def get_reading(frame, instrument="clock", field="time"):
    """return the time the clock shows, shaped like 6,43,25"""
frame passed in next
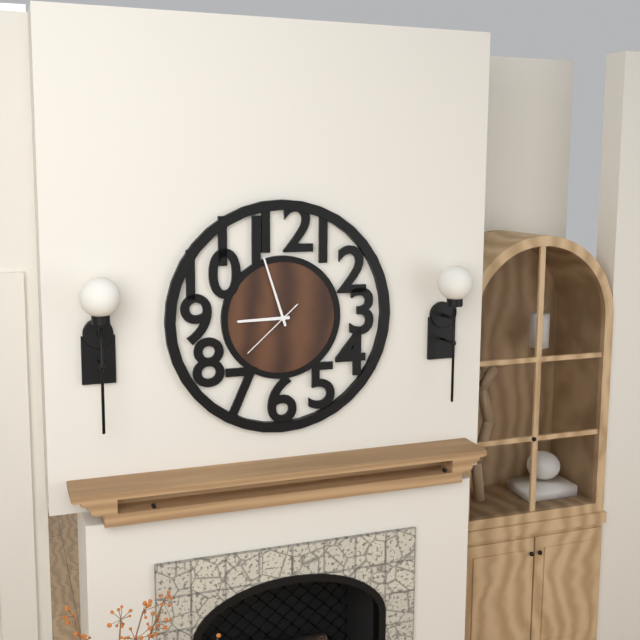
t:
8,57,38
